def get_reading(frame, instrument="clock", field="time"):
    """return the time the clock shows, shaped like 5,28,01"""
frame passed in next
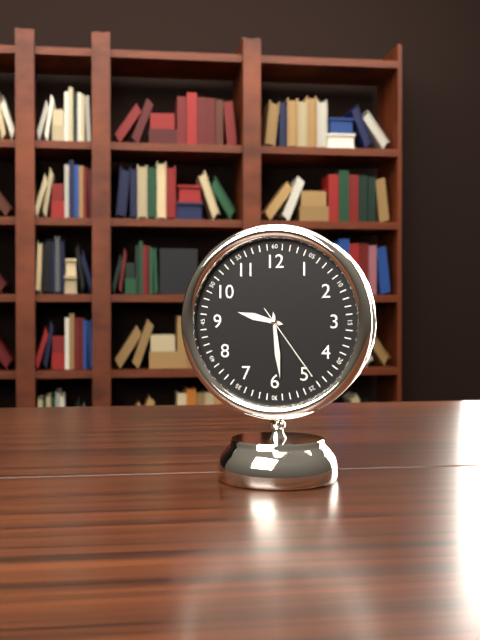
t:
9,29,24
